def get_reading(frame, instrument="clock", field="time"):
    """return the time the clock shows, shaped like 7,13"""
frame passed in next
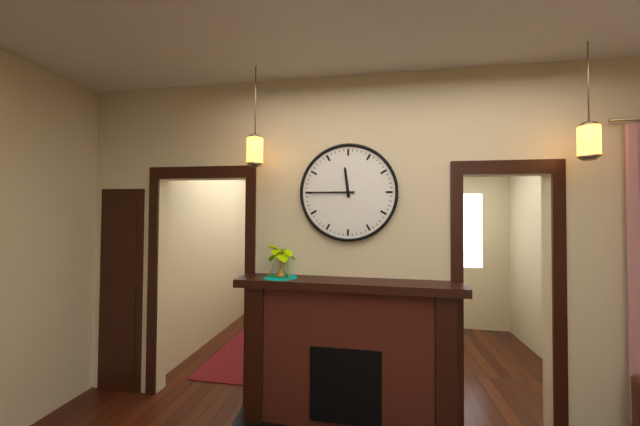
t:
11,45
